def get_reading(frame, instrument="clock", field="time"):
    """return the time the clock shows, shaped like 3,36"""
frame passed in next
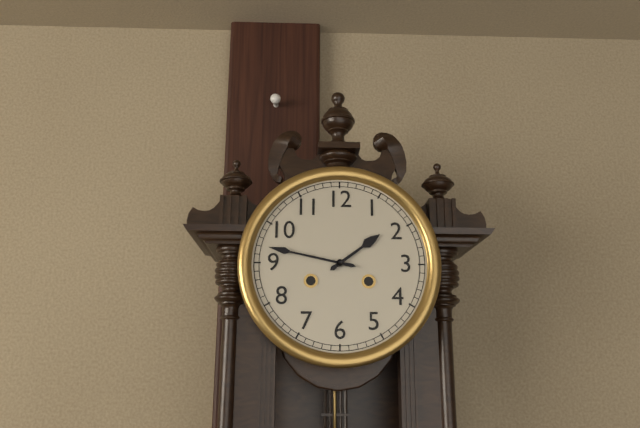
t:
1,47
